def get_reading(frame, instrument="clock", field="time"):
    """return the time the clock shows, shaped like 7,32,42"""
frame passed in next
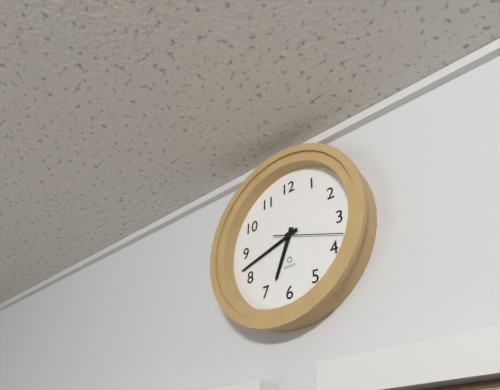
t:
6,42,18
